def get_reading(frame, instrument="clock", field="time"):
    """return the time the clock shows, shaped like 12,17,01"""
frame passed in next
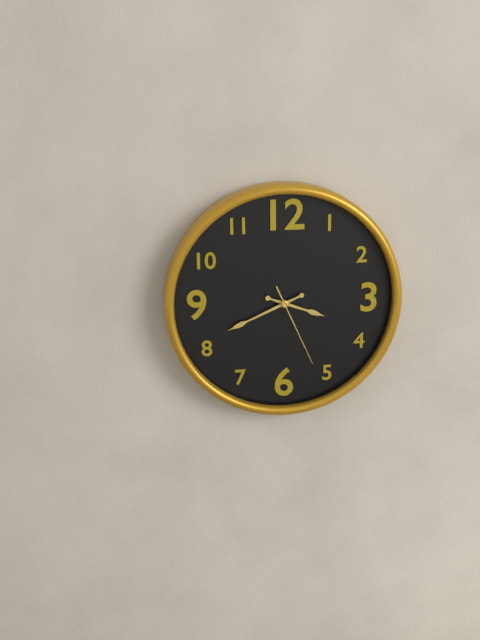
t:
3,41,26
